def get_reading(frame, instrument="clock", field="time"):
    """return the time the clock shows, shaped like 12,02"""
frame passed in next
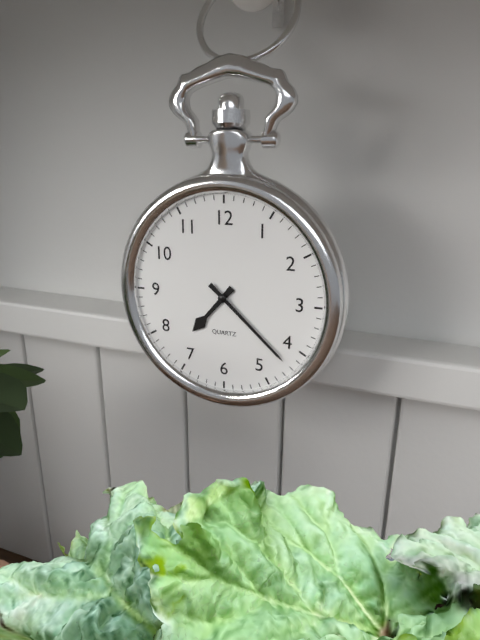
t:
7,22
